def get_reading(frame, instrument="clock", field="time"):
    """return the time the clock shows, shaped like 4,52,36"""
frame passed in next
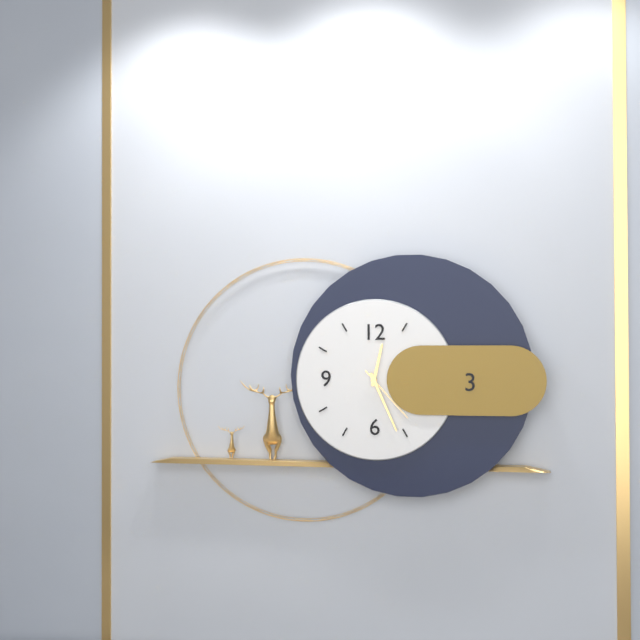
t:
12,26,23
